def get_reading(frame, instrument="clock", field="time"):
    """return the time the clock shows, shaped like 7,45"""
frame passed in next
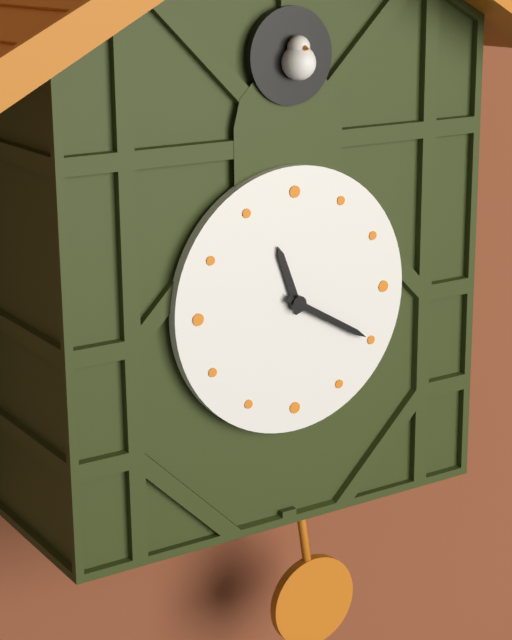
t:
11,20
